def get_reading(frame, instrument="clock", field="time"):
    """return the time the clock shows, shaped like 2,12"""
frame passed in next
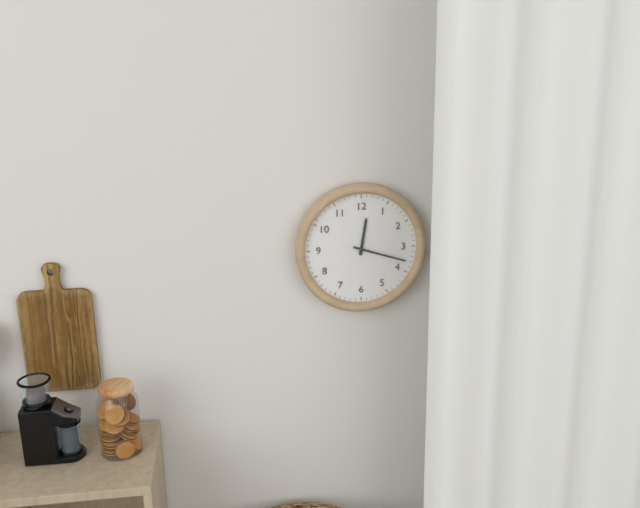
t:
12,18
